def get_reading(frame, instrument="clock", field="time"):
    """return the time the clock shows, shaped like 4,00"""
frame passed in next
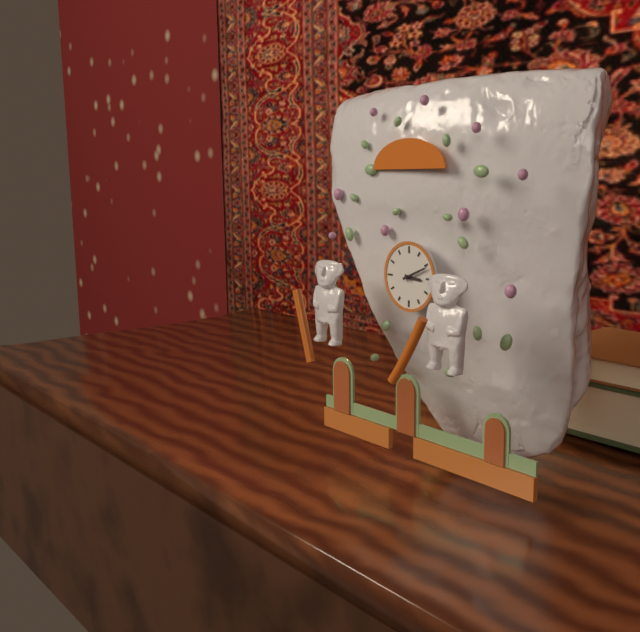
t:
3,11
